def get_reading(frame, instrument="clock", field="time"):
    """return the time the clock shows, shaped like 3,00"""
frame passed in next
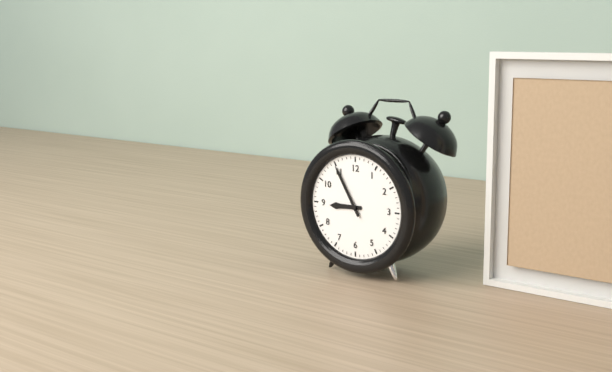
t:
8,55
